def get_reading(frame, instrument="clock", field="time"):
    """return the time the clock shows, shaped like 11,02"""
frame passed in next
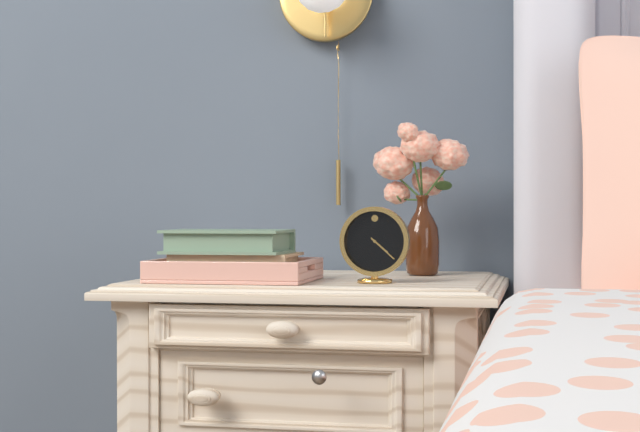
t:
4,22
